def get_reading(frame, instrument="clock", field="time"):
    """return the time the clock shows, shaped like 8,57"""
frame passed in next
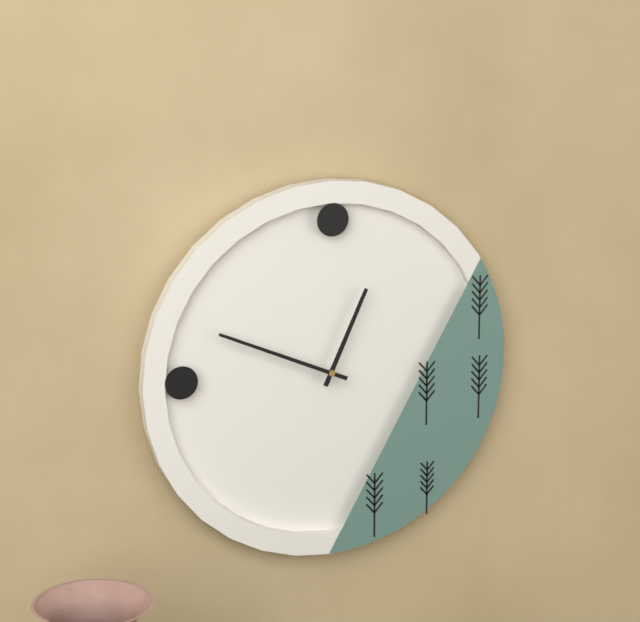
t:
12,49
